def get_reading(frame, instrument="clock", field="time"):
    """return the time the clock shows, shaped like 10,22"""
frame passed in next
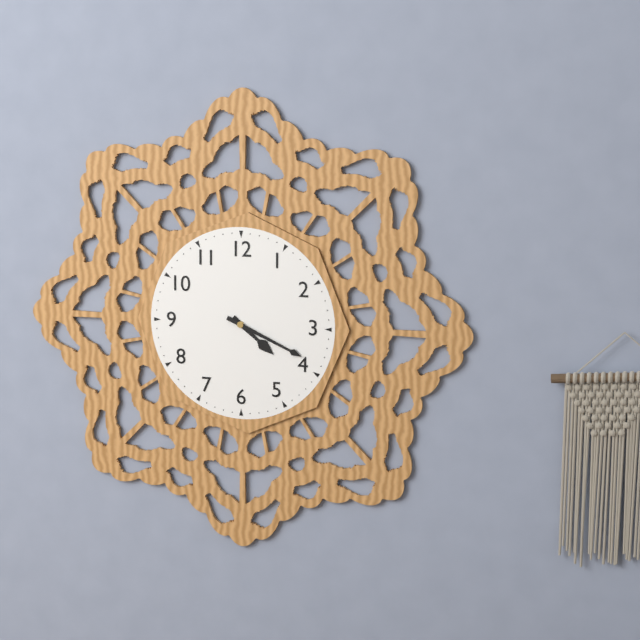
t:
4,19
